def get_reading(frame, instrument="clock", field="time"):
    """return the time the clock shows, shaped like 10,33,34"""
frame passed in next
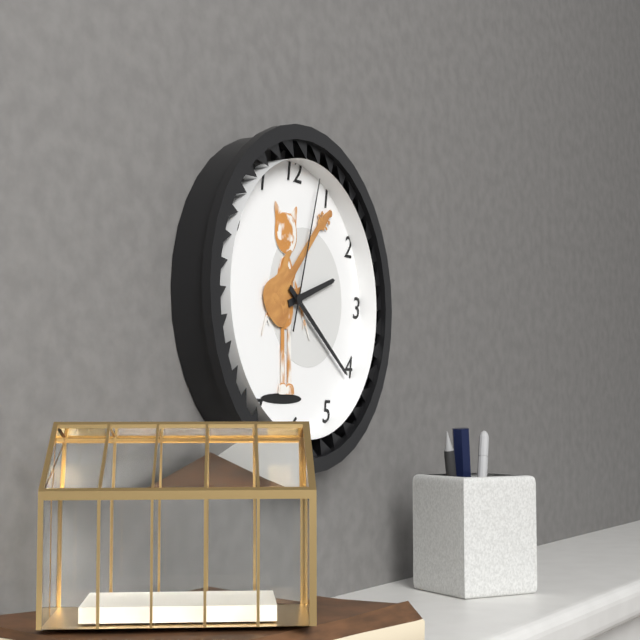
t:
2,21,03
